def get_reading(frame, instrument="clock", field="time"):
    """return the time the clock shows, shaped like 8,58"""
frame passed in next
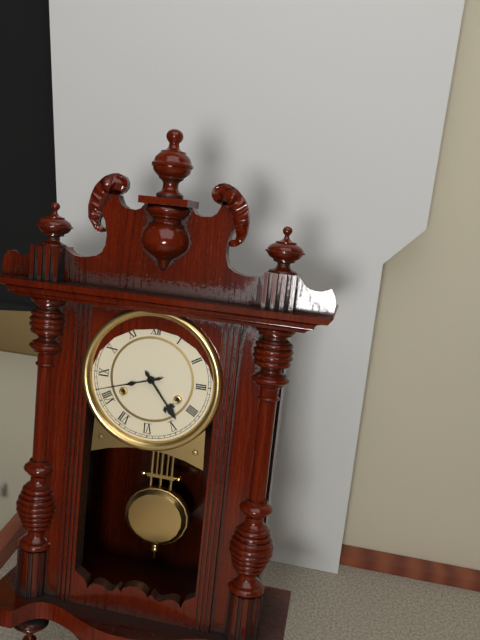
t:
4,42
